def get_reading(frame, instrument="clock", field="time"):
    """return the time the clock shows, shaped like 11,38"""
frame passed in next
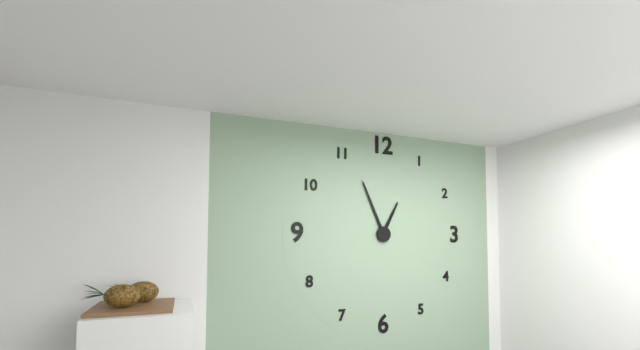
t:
12,56
